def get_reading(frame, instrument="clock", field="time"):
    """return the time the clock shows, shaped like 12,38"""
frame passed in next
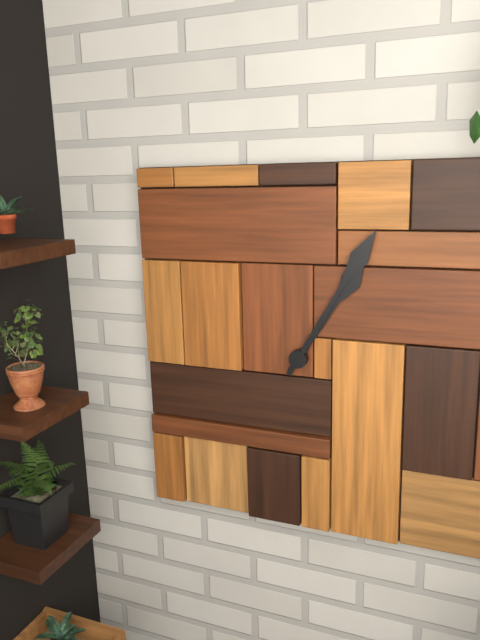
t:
1,05
